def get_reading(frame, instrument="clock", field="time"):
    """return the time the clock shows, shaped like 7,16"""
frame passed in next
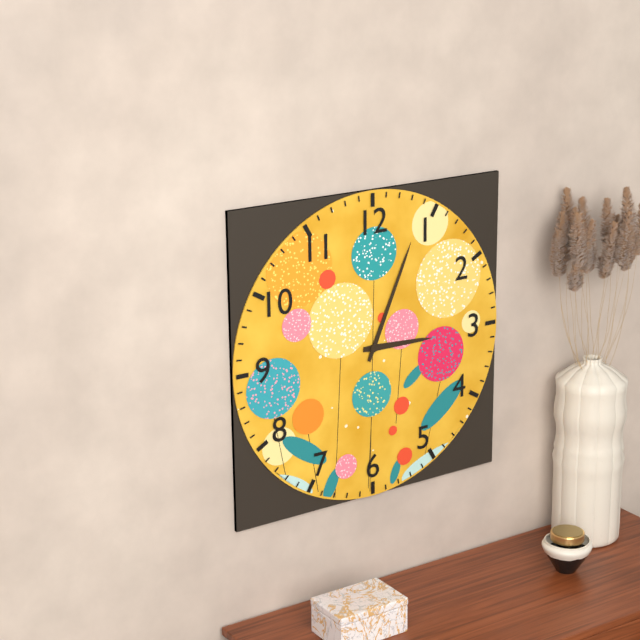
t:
3,04
